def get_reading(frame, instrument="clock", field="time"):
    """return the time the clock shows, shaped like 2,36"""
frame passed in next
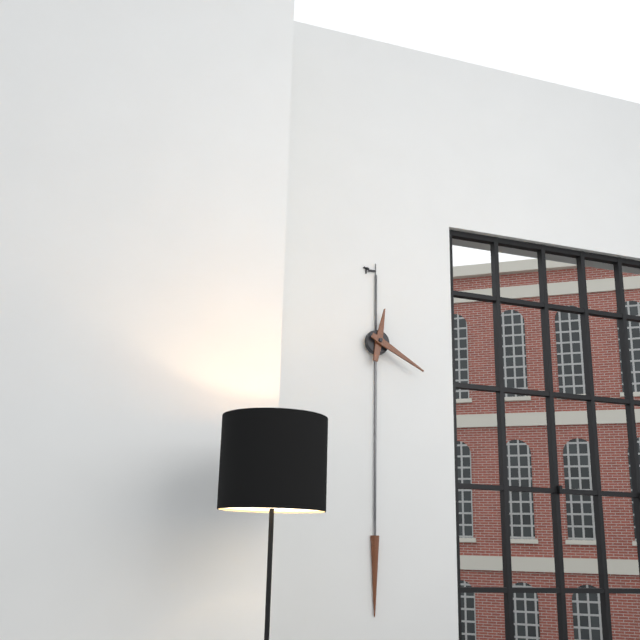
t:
12,20
